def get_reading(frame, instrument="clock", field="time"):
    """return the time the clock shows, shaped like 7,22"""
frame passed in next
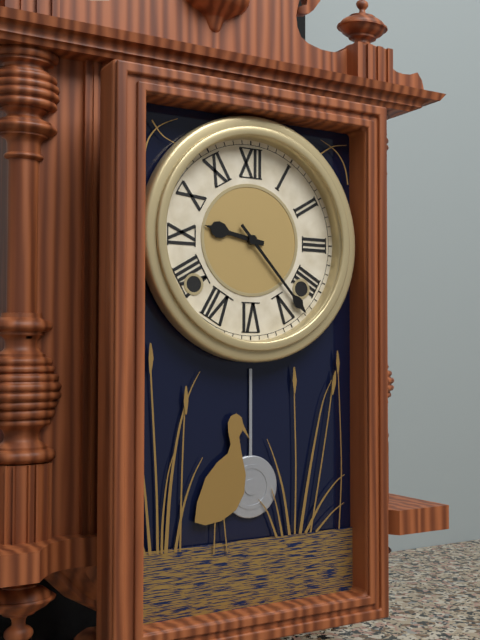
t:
9,23
